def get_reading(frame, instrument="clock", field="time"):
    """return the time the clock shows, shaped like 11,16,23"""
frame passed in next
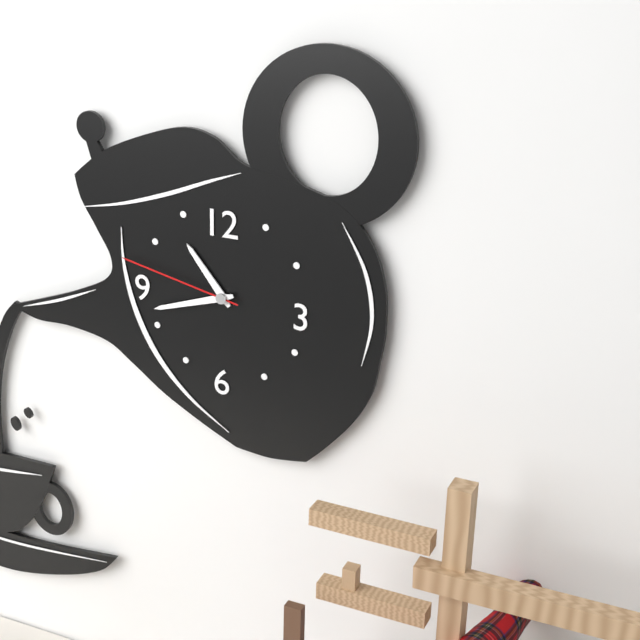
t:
10,42,47
